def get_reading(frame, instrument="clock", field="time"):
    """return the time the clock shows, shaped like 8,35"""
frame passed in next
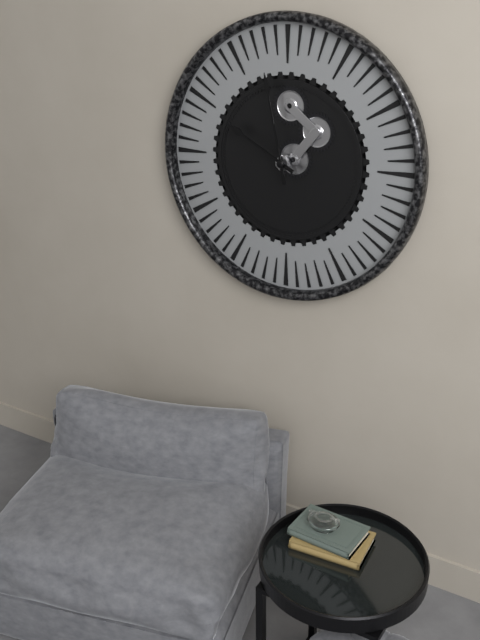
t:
9,58
